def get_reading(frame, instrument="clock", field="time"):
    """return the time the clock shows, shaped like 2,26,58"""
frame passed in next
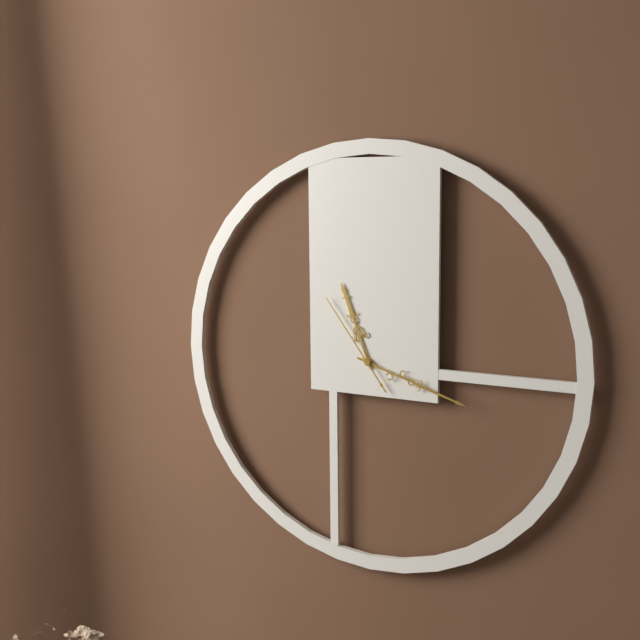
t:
11,18,54
